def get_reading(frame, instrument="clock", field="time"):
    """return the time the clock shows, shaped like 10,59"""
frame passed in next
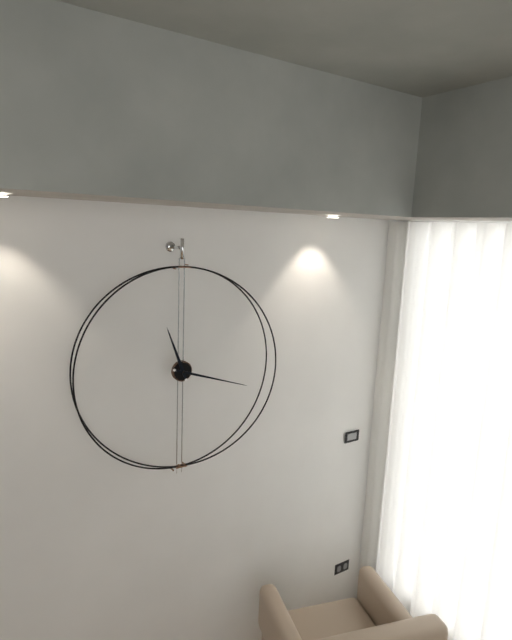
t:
11,18
